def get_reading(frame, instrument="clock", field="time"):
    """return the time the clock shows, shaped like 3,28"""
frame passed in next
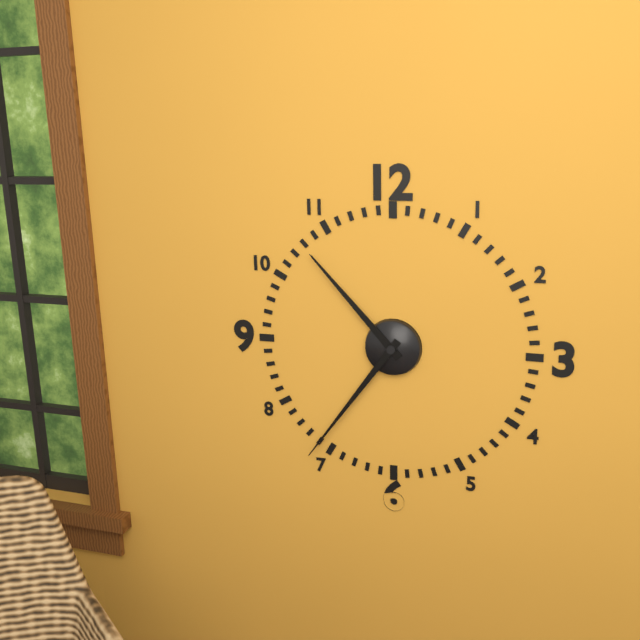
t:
10,36
